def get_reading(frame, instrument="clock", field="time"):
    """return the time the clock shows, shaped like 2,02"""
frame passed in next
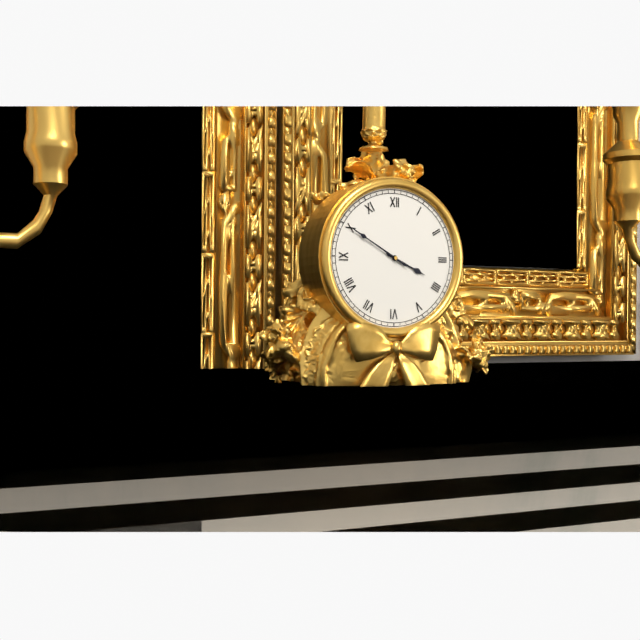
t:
3,50
